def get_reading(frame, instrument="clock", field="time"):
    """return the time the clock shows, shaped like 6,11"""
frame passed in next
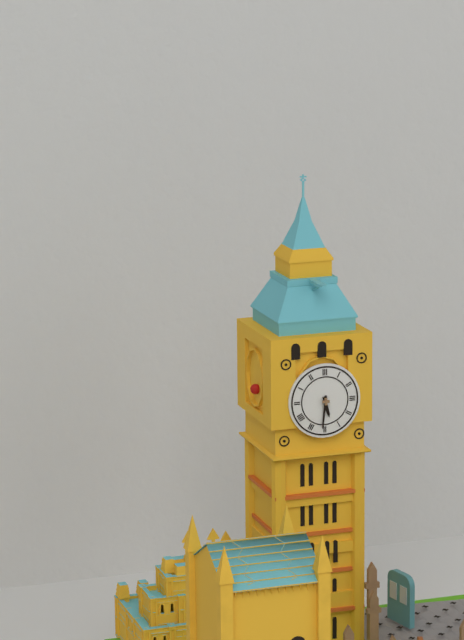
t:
5,31
